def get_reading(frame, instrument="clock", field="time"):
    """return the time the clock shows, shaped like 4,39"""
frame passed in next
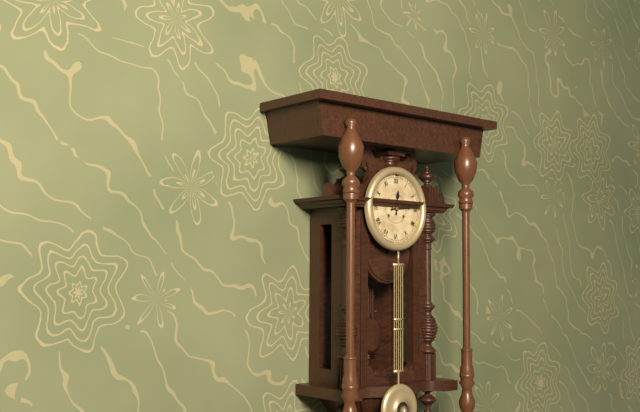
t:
12,14
